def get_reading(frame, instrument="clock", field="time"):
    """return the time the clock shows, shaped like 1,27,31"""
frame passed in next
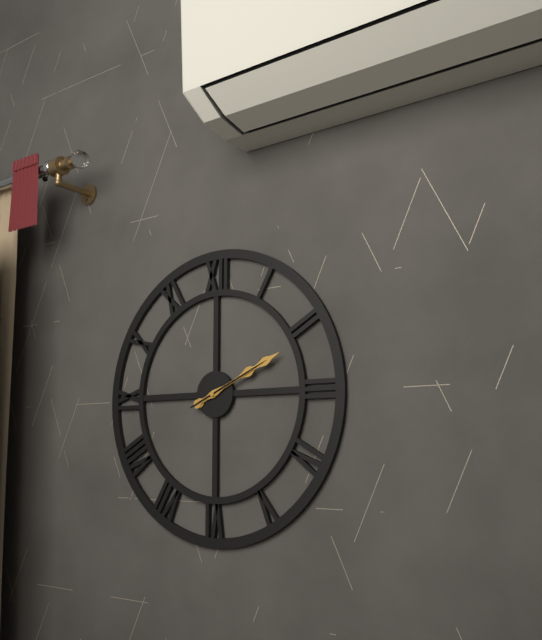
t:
2,11,11
